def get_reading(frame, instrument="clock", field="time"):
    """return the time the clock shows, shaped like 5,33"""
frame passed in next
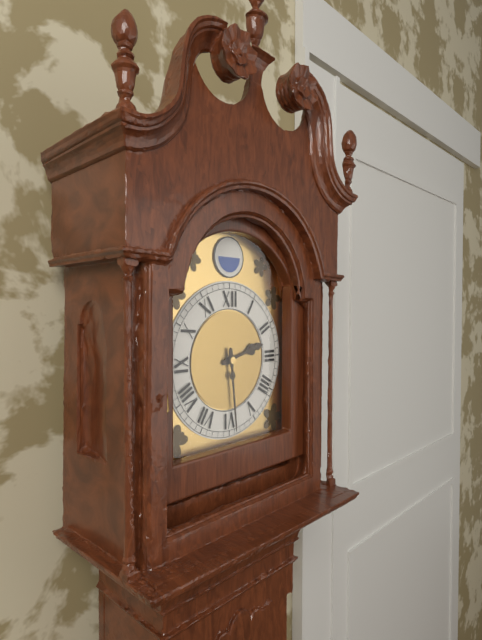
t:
2,29
